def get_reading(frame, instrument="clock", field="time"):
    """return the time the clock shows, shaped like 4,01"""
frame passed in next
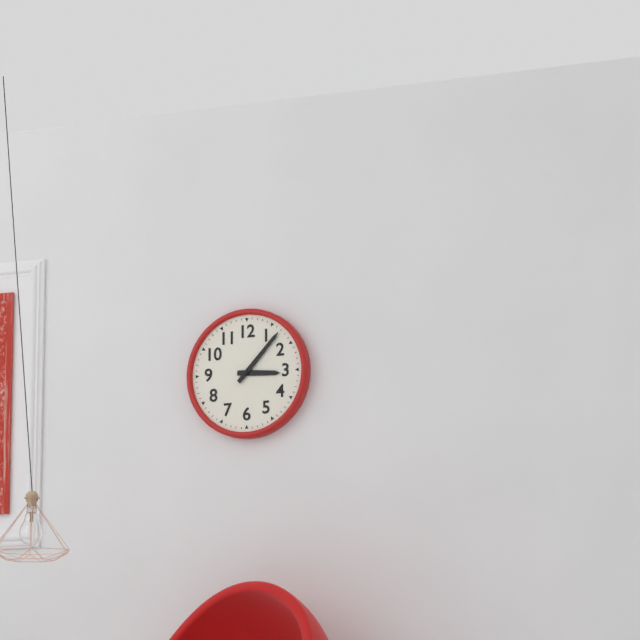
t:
3,07
